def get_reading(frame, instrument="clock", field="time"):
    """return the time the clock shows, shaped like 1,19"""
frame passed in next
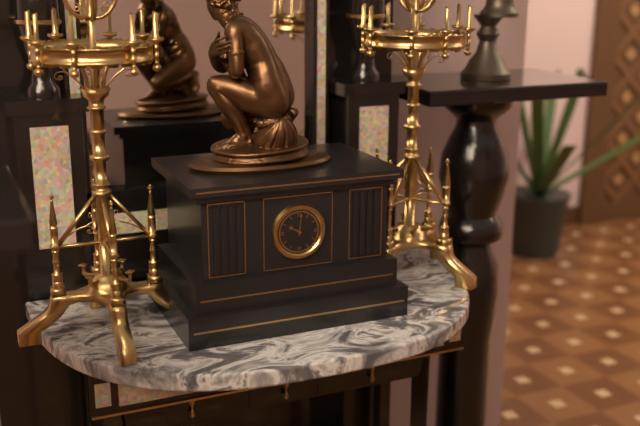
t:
10,01
